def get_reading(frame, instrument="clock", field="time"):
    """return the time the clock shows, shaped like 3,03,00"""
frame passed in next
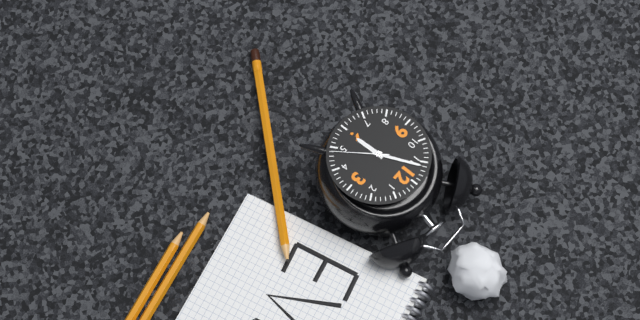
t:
5,56,24
